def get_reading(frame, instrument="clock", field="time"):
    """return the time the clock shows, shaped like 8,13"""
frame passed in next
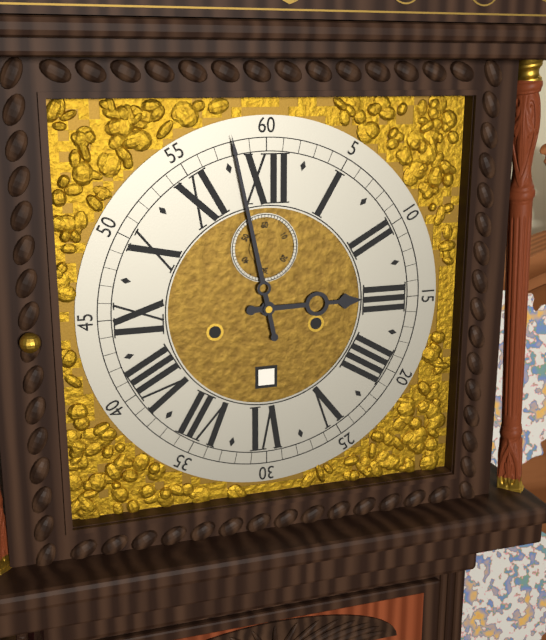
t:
2,58
